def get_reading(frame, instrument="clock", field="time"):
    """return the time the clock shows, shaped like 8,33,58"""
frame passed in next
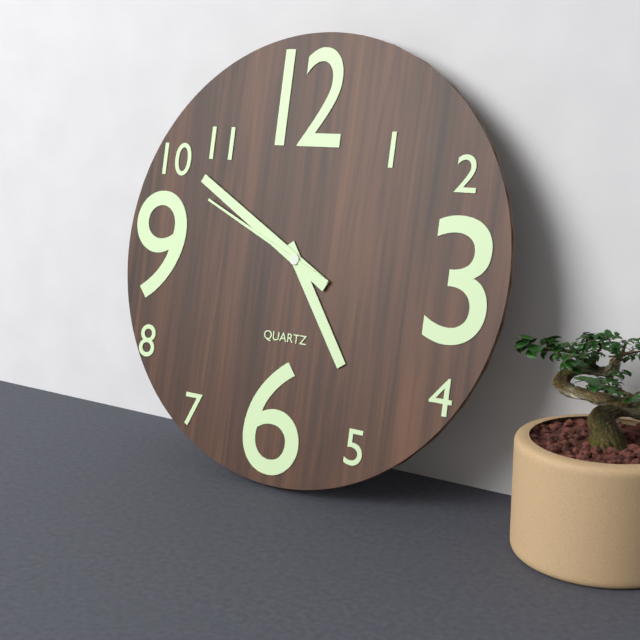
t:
4,50,49
